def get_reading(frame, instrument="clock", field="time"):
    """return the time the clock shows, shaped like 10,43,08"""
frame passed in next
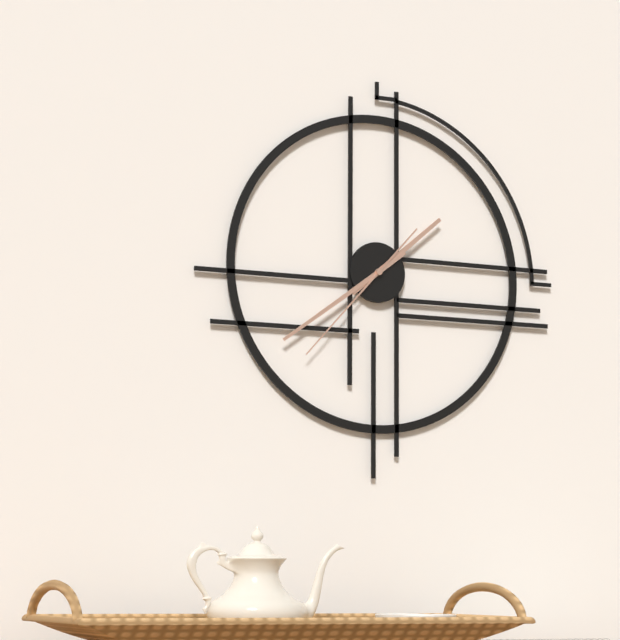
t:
1,39,37
